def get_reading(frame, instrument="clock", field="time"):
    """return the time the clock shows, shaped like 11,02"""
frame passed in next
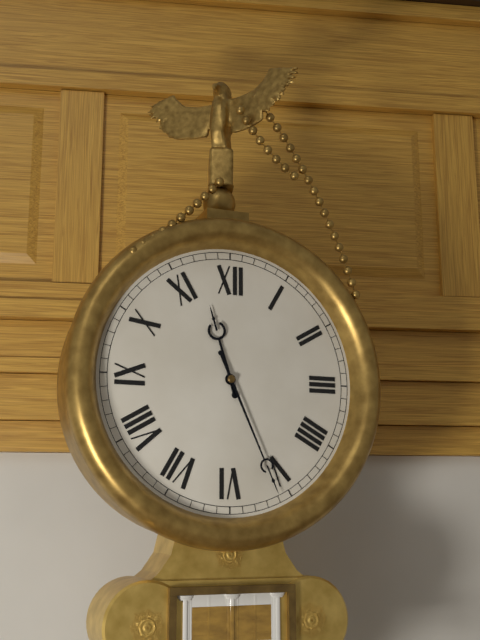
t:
11,26
